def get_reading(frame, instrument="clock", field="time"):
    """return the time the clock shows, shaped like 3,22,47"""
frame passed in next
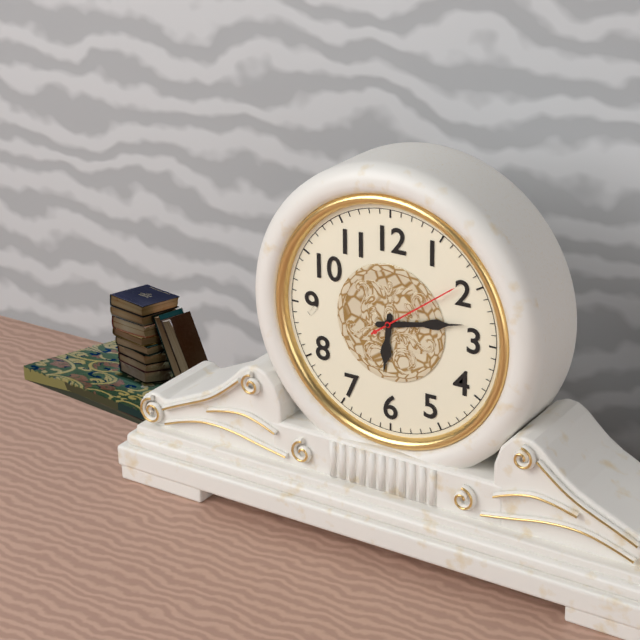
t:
6,13,09
